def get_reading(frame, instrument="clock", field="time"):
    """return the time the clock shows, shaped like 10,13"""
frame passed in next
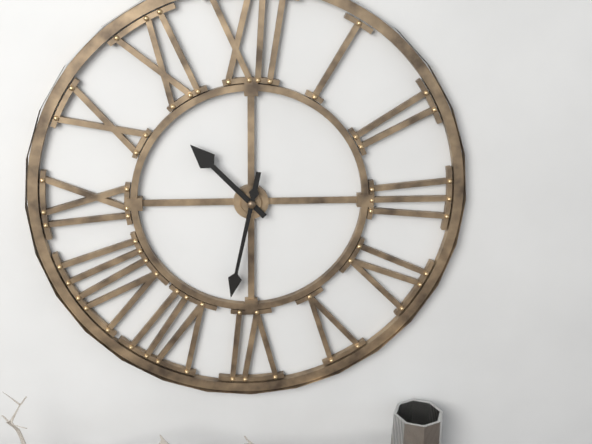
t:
10,32
